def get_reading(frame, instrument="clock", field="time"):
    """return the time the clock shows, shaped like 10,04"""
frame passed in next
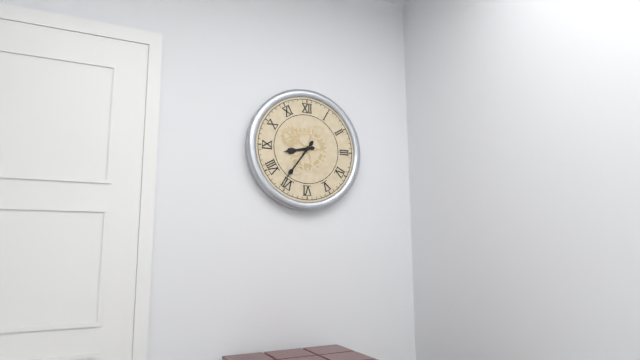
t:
8,36
